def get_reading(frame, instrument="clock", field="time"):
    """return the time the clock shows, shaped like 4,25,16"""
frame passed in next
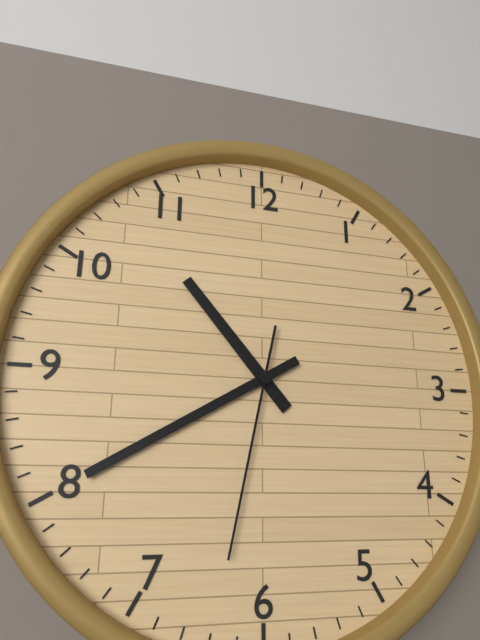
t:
10,40,32
